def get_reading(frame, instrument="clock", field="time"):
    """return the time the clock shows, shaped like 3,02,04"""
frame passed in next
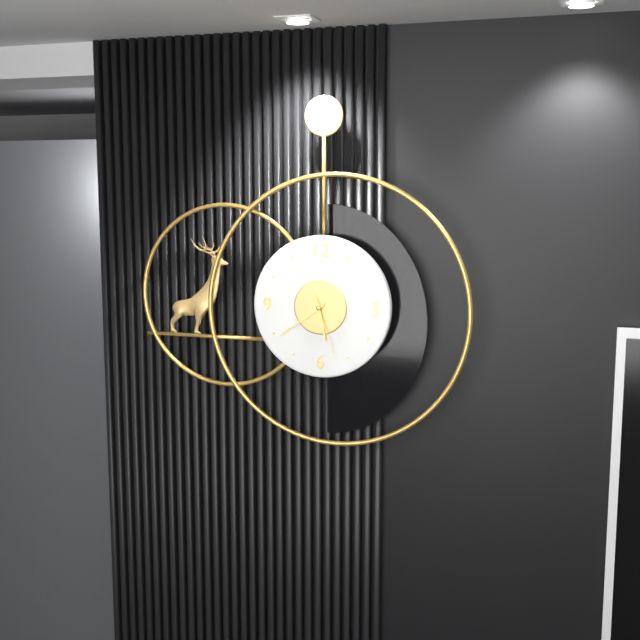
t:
5,39,27
